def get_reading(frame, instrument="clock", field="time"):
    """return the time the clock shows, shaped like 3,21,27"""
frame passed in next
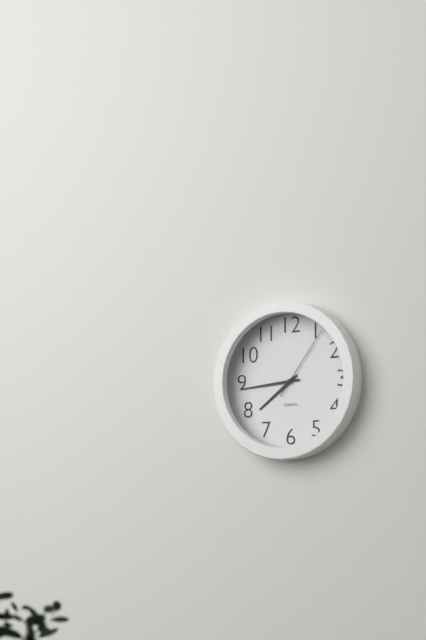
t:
7,44,06
